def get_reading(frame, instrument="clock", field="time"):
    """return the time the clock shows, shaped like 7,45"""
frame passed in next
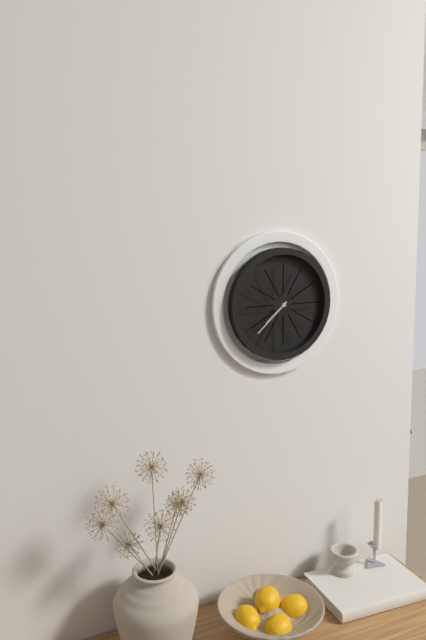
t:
7,38
